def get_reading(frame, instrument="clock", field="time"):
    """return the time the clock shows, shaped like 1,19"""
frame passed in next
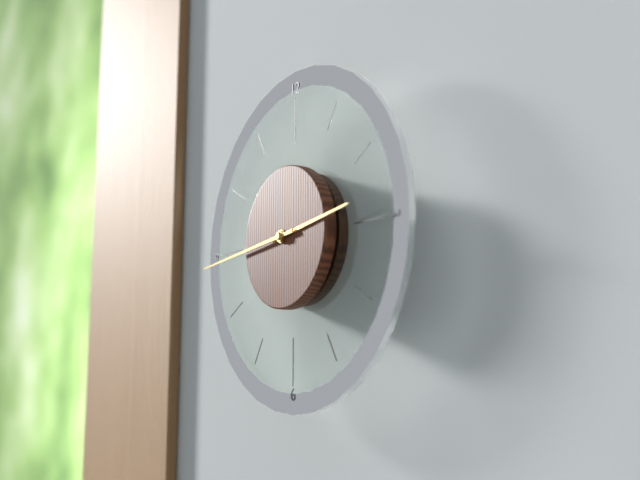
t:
2,44
